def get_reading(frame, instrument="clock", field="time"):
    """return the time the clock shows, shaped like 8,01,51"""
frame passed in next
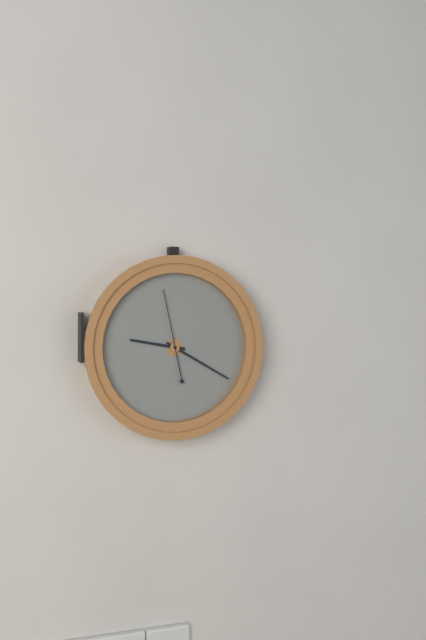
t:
9,20,58
